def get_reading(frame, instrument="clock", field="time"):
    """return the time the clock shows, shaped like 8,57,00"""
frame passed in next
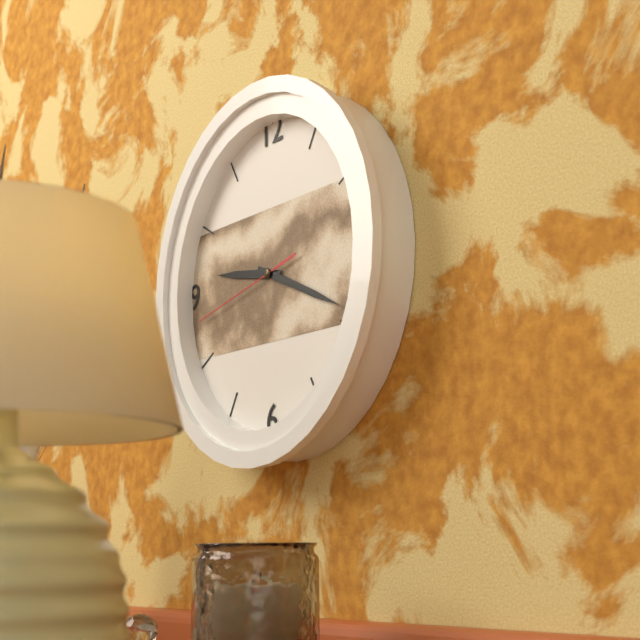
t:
9,19,43
